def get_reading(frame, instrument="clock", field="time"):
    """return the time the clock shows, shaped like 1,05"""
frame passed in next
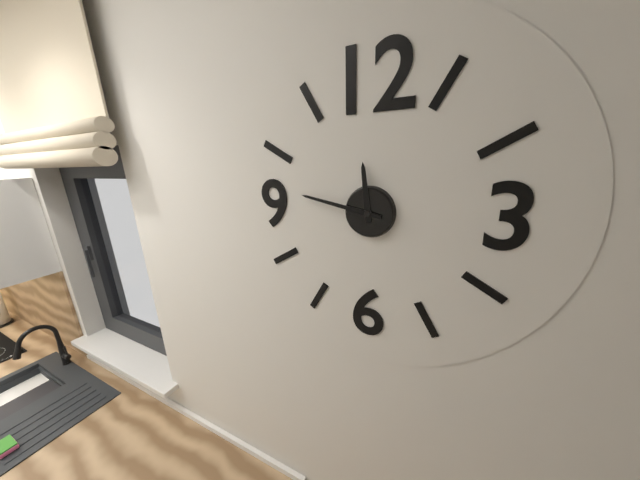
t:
11,47
